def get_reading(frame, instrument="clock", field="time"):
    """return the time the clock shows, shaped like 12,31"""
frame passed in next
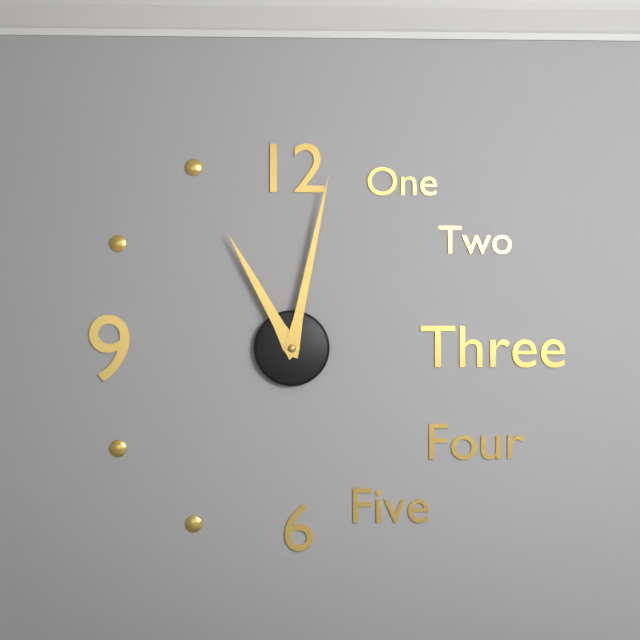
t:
11,02
